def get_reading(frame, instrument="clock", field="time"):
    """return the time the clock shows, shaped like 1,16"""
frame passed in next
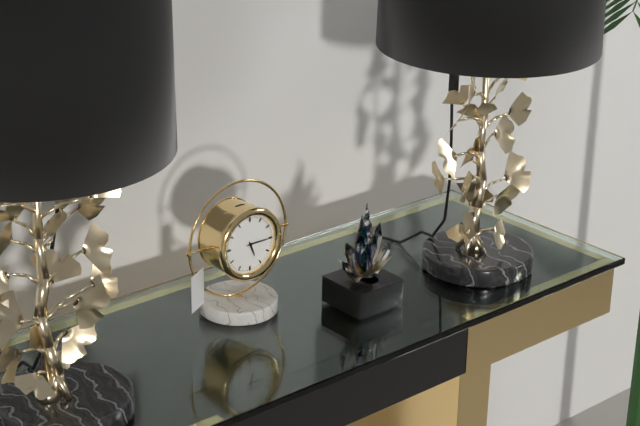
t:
5,15
